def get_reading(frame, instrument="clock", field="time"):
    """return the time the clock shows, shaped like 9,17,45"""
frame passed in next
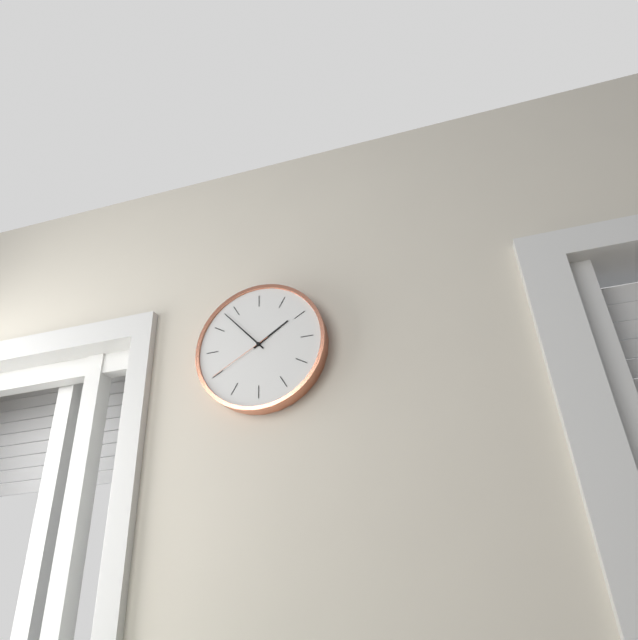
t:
1,53,40
